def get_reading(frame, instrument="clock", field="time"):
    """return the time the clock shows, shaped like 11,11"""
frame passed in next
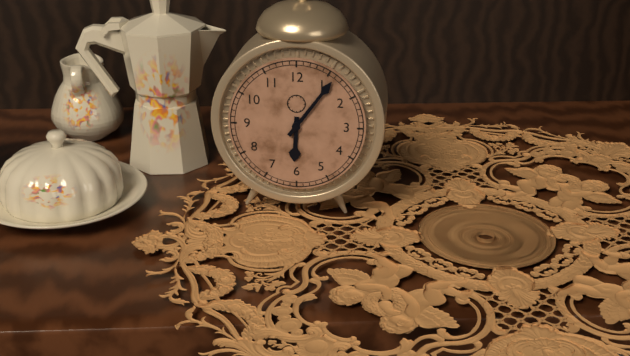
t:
6,06
